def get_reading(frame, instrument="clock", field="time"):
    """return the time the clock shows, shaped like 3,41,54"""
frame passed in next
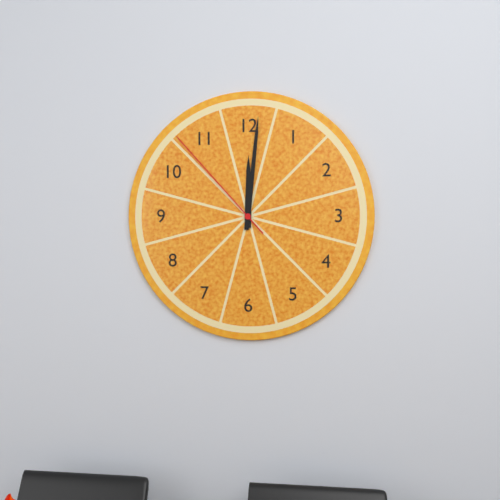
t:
12,01,53
